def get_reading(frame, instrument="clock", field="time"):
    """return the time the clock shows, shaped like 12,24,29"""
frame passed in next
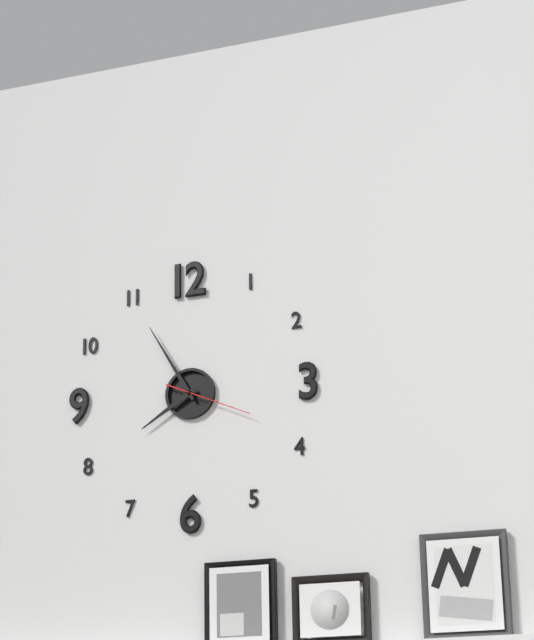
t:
7,55,19
